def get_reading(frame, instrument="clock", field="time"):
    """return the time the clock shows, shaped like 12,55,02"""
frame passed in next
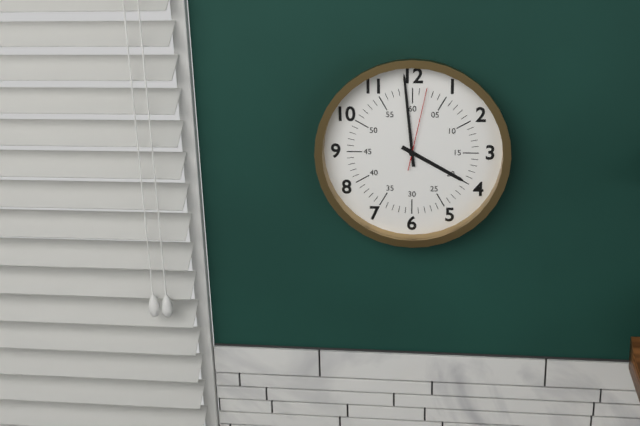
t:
3,59,02
